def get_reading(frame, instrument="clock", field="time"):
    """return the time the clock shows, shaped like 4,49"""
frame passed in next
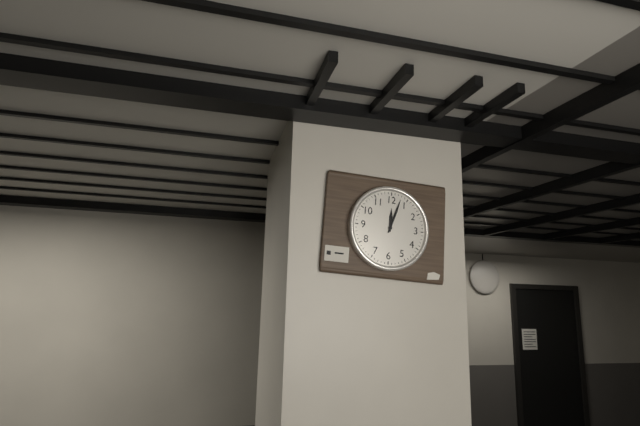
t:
12,03
